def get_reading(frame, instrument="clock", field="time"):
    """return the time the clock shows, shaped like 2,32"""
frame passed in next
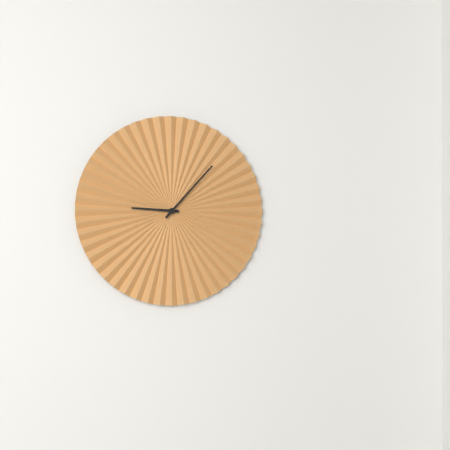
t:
9,07
